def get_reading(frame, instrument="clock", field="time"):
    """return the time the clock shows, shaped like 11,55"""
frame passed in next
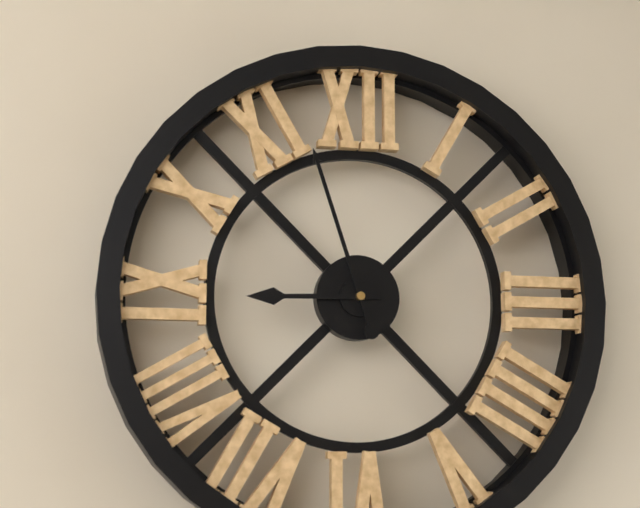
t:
8,57
